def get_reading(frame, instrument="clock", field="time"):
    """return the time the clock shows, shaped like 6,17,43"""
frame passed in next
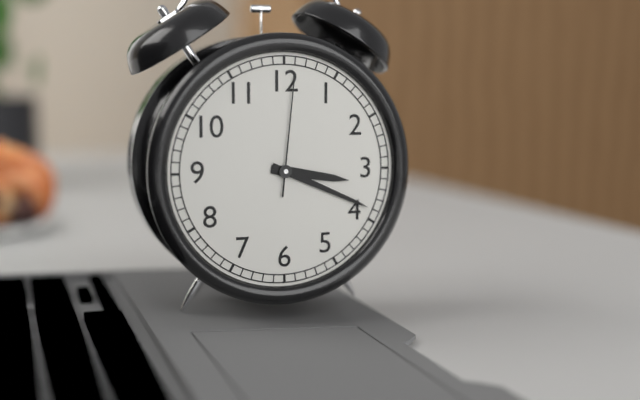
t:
3,19,01
